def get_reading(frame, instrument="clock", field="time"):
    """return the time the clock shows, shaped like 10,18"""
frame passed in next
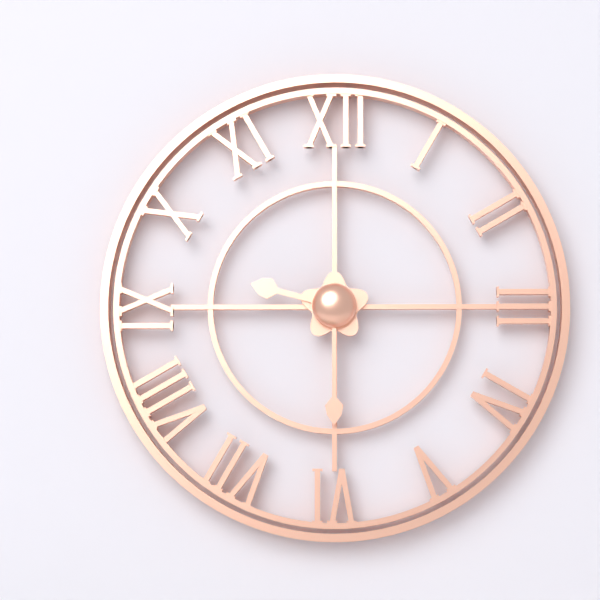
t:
9,30
